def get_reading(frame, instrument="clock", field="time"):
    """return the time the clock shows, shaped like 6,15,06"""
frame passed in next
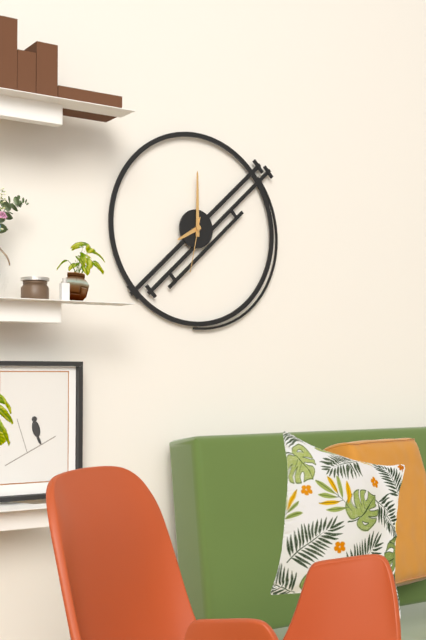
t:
8,00,32
